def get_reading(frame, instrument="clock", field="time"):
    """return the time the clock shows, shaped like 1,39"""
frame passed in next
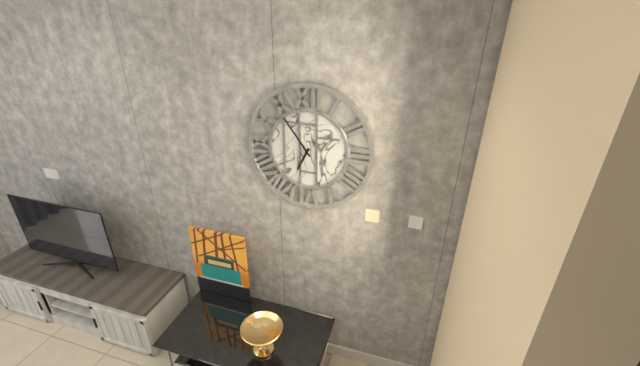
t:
6,54
